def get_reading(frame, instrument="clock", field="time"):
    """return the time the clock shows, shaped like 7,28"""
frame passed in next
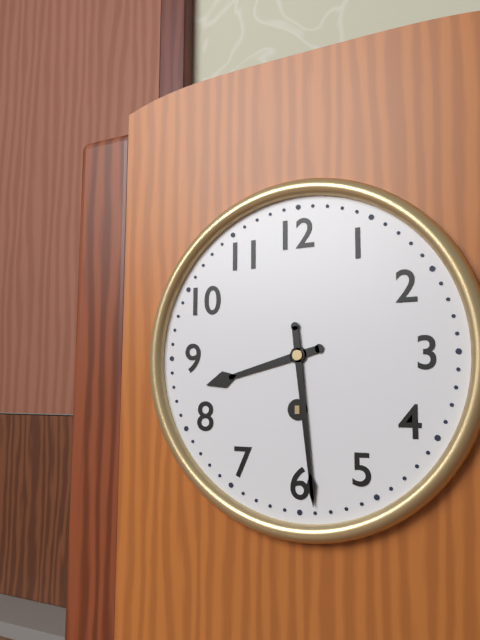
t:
8,29
